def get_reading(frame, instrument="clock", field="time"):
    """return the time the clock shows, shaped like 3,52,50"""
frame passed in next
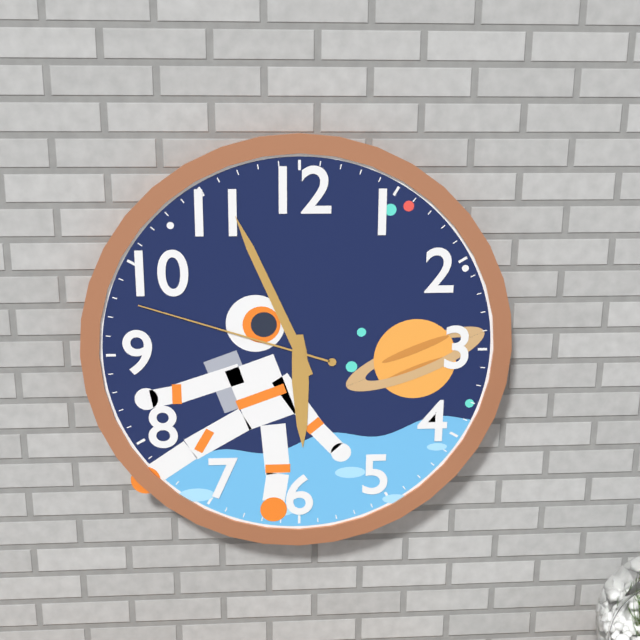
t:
5,56,48
